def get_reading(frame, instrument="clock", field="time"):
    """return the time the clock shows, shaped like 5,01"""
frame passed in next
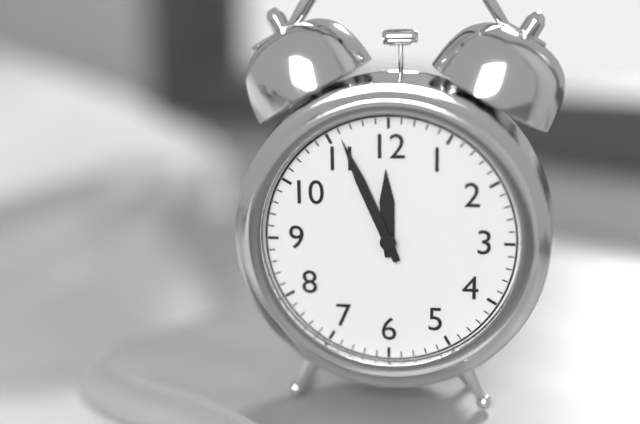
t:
11,56
